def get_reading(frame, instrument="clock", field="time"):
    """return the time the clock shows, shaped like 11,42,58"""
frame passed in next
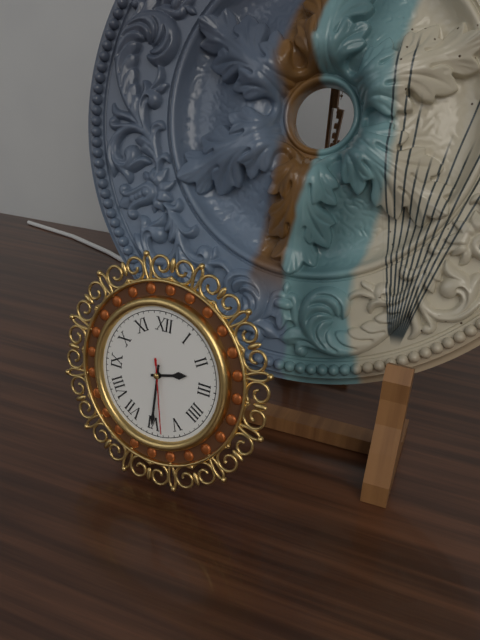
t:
2,30,28
